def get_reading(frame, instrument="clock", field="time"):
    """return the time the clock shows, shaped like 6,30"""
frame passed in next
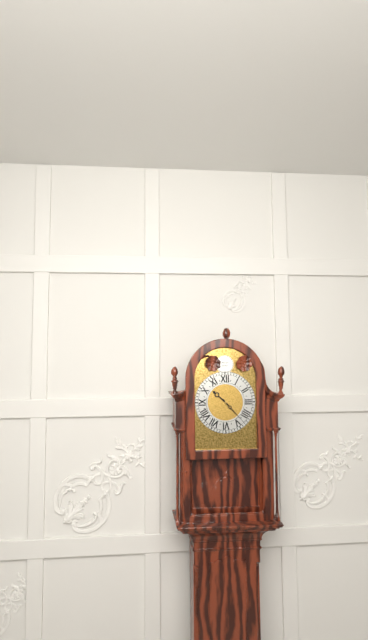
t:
10,23
